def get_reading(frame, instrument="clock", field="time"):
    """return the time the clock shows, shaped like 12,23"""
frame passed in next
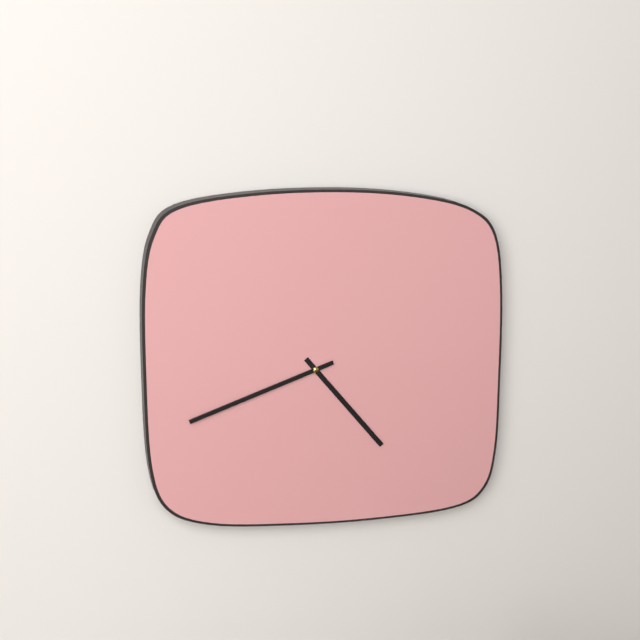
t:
4,42
